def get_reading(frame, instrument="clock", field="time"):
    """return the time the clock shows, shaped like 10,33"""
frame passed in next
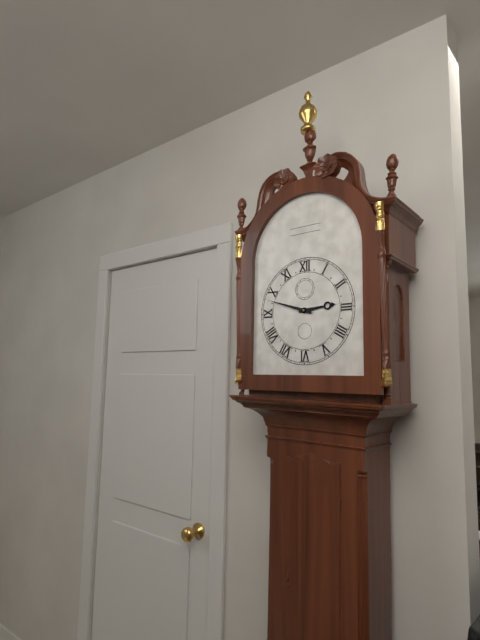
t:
2,48
